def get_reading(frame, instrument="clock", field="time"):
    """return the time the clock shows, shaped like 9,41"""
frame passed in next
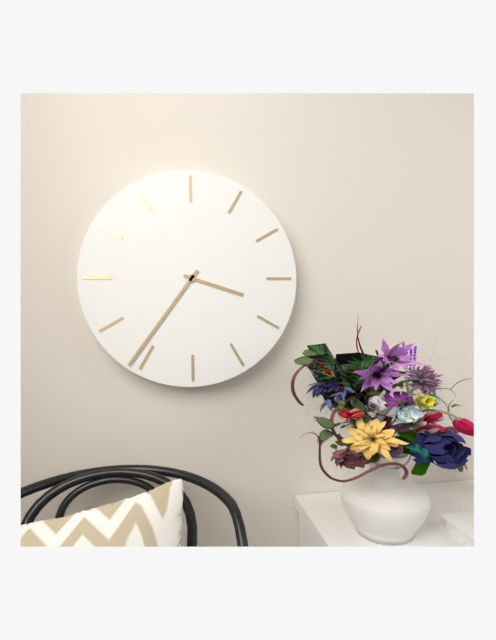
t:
3,36
